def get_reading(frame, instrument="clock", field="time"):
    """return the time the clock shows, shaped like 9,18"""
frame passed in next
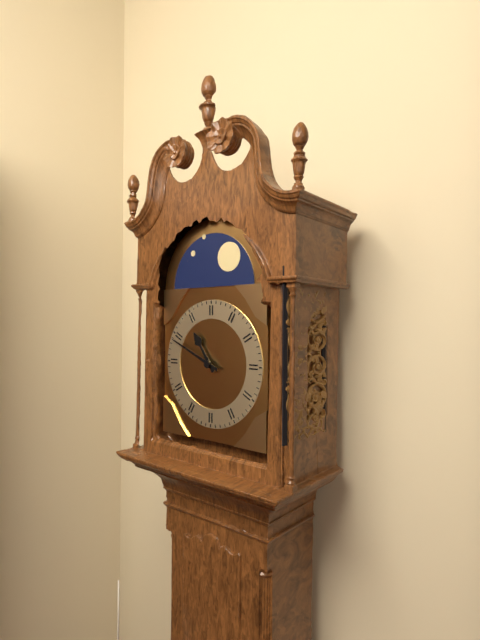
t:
10,49
